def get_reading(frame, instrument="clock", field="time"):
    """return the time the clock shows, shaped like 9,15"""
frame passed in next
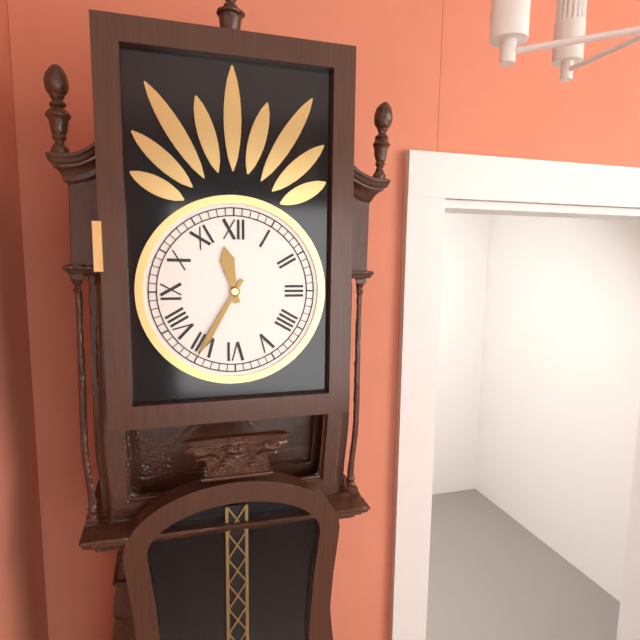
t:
11,35
